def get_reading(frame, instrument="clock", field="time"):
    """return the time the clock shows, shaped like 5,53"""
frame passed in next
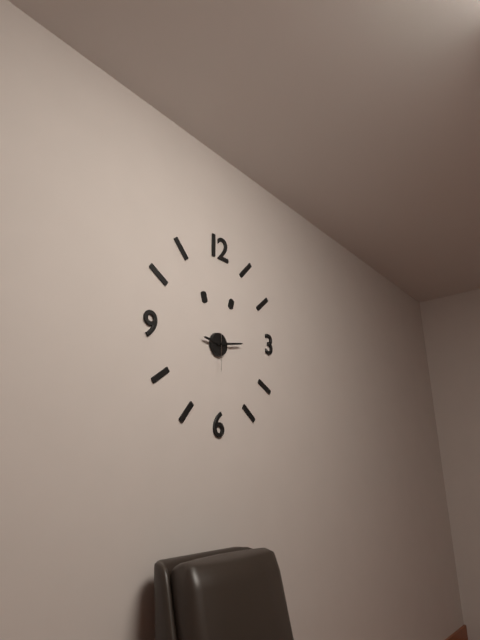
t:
9,13
